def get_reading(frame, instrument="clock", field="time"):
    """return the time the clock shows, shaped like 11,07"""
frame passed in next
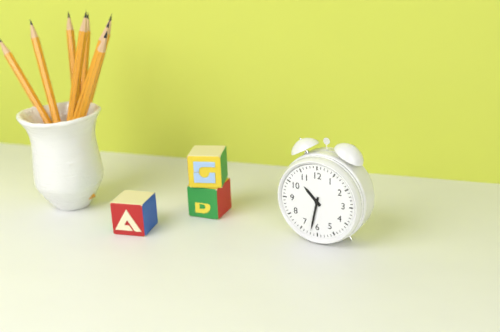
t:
10,32
